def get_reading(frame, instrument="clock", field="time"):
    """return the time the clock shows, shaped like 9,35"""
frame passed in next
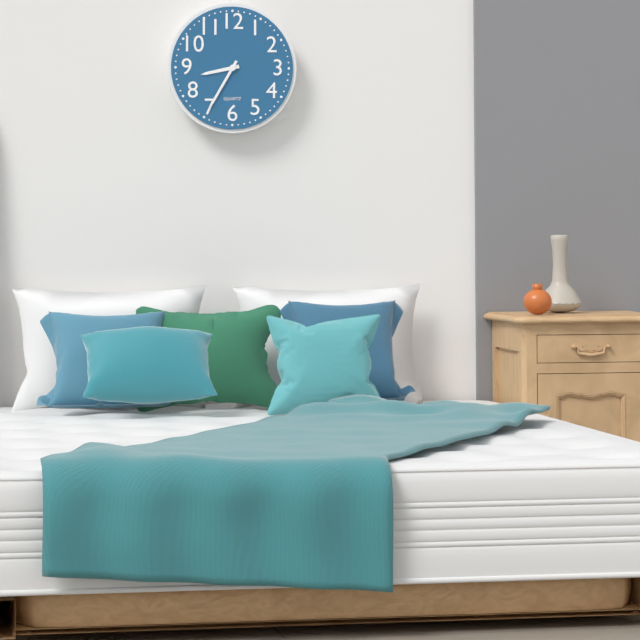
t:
8,35
